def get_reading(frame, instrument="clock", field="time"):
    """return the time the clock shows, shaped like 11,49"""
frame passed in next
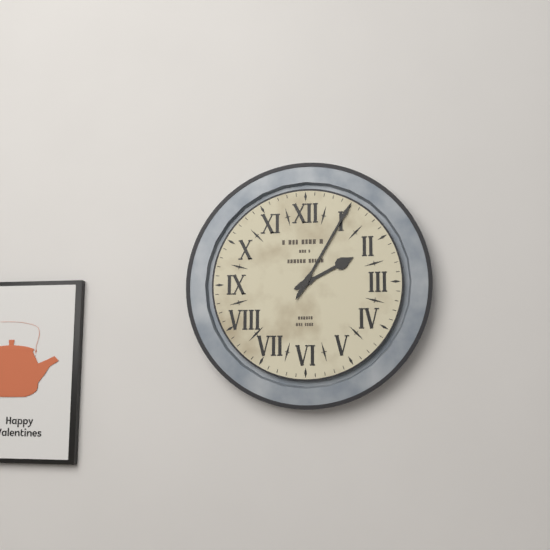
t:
2,05
